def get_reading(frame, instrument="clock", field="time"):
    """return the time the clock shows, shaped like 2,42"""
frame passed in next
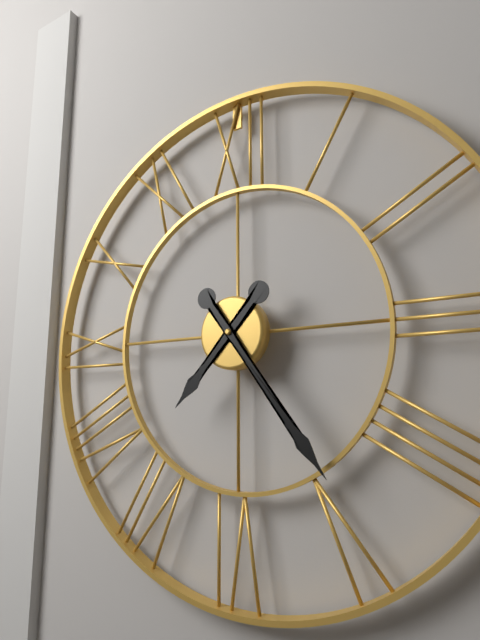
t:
7,24
